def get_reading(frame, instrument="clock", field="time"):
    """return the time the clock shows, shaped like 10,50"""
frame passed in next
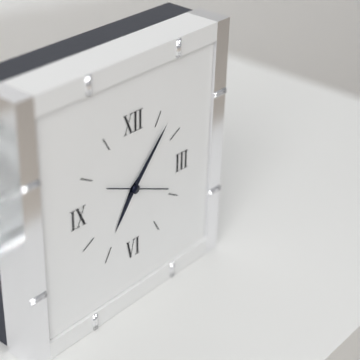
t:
7,07
